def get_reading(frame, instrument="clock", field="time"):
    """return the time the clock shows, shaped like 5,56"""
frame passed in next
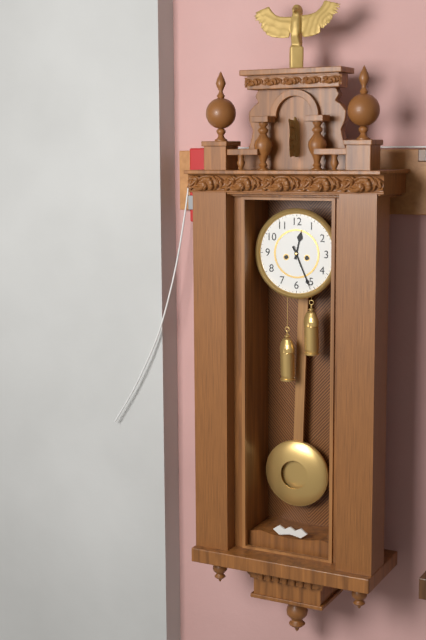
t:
12,26
